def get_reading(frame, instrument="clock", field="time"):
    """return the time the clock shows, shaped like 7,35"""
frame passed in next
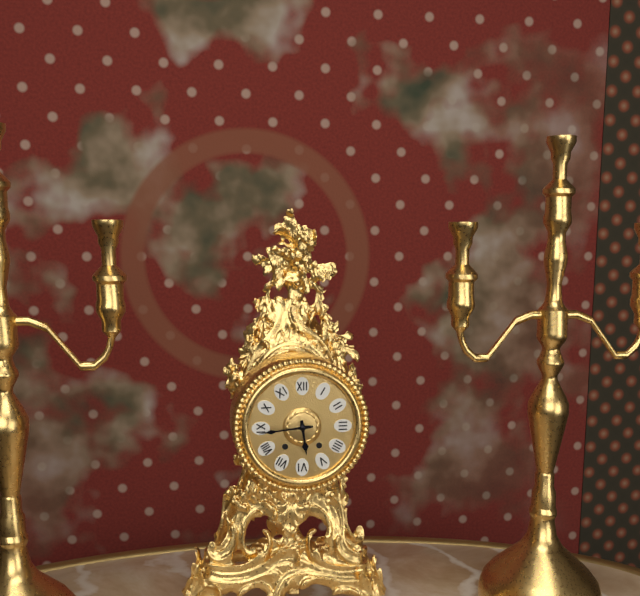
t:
5,44
